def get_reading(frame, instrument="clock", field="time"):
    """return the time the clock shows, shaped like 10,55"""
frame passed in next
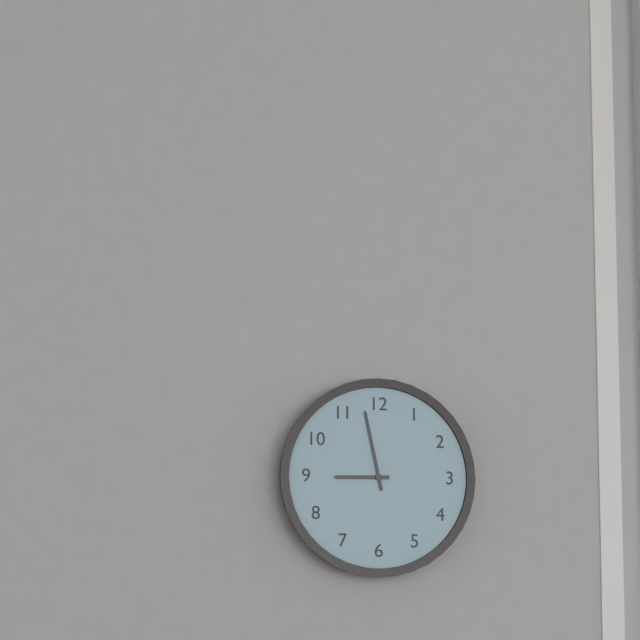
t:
8,58
